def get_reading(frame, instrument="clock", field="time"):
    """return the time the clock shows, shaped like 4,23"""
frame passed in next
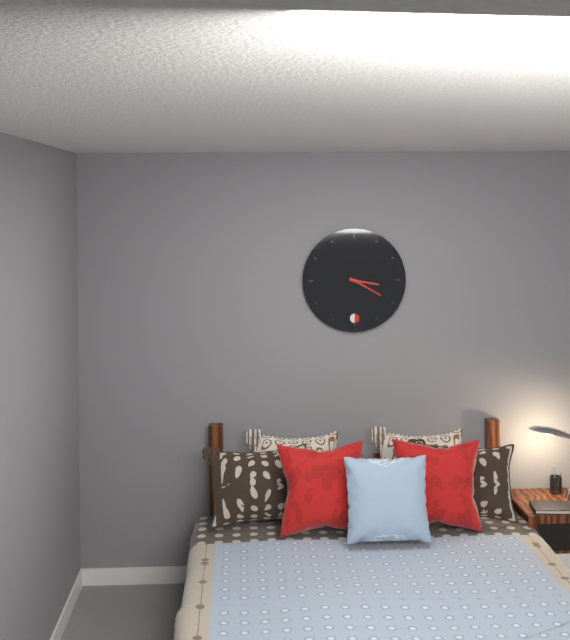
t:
3,20
